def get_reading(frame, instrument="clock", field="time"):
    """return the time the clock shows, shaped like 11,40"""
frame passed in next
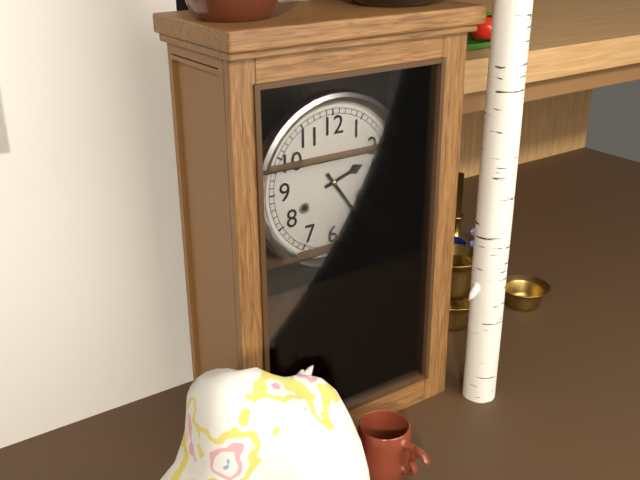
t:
2,24
